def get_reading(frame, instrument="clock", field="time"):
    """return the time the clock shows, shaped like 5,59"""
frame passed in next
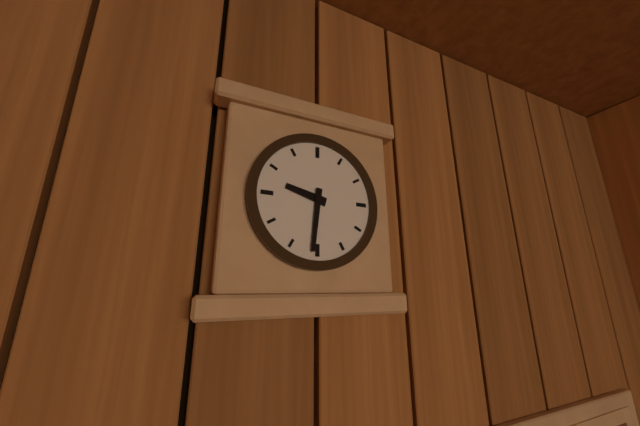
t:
9,31
